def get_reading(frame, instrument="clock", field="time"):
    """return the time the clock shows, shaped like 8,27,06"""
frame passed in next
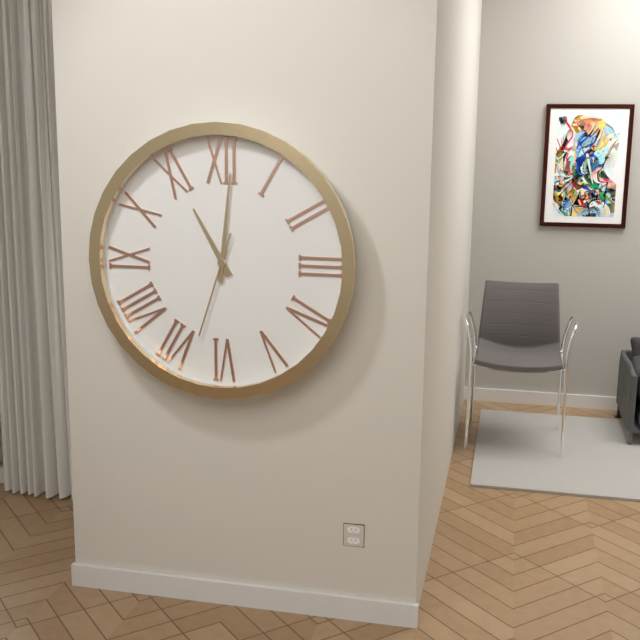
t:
11,01,33
